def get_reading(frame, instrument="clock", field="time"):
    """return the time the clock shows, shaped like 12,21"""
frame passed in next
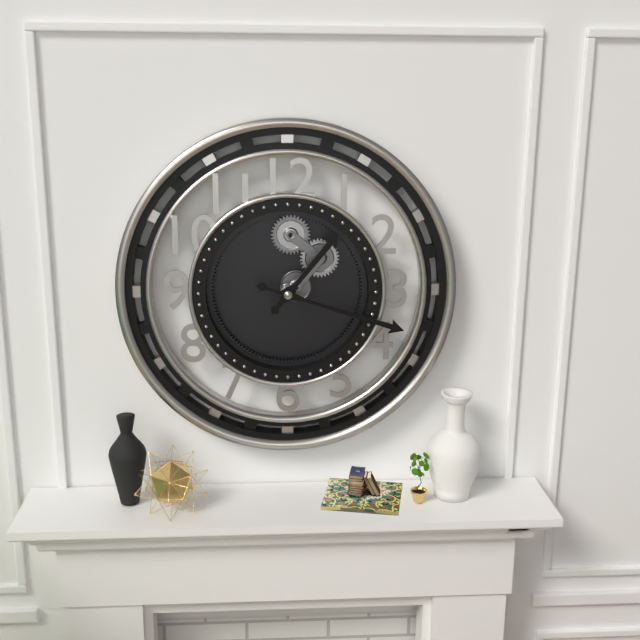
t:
1,18
